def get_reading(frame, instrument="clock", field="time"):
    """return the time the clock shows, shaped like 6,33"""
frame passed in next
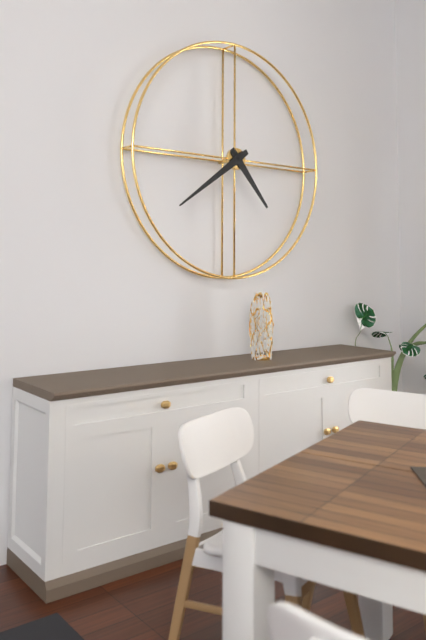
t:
4,39
